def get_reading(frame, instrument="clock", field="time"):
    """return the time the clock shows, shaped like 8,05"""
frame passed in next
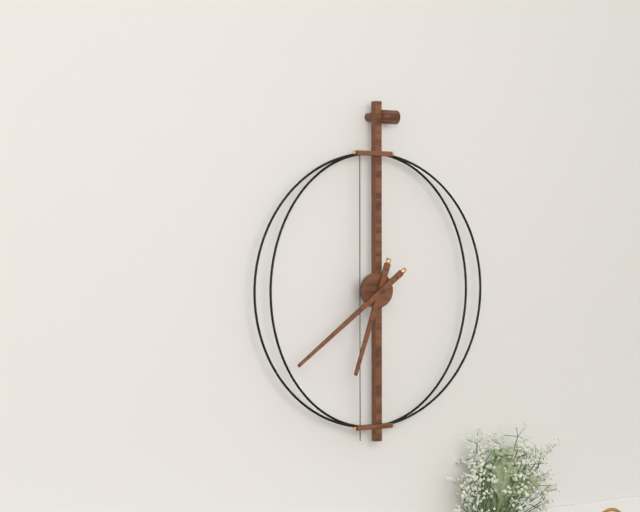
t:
6,39
